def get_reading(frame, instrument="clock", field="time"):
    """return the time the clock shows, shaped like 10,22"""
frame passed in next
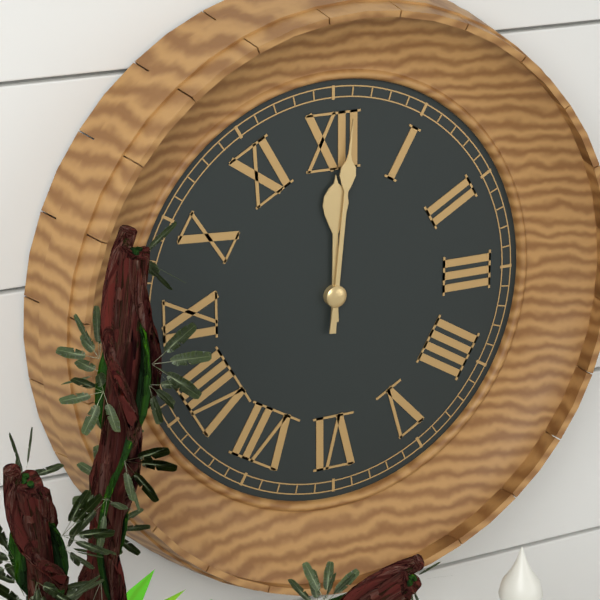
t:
12,01
